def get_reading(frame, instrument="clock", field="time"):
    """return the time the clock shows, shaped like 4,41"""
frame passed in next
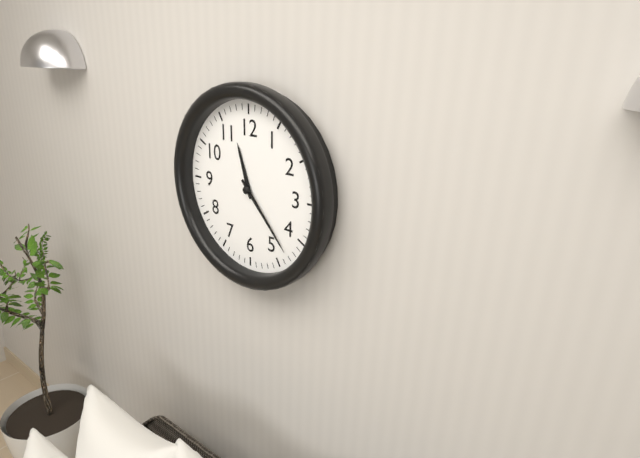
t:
11,23
